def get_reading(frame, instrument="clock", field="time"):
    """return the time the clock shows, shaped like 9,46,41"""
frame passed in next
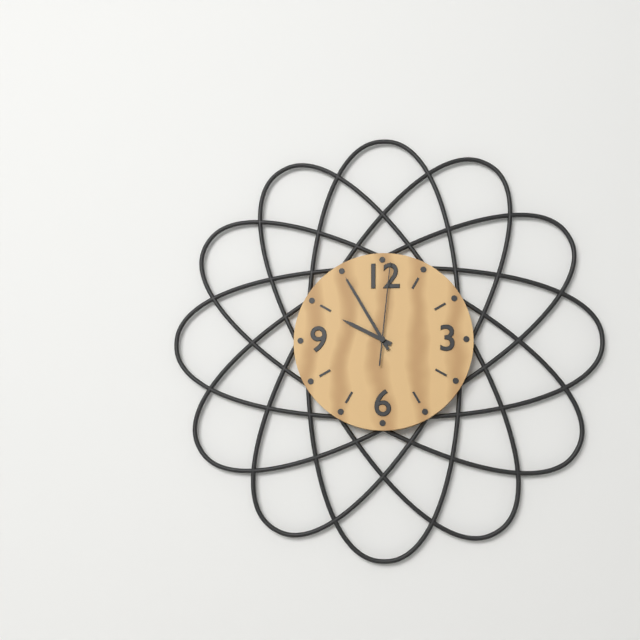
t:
9,55,01
